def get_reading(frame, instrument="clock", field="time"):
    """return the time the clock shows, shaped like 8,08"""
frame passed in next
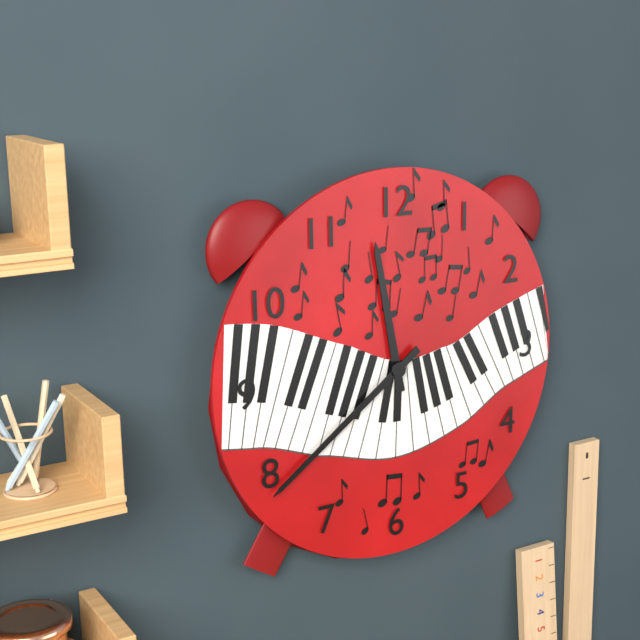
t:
11,39
